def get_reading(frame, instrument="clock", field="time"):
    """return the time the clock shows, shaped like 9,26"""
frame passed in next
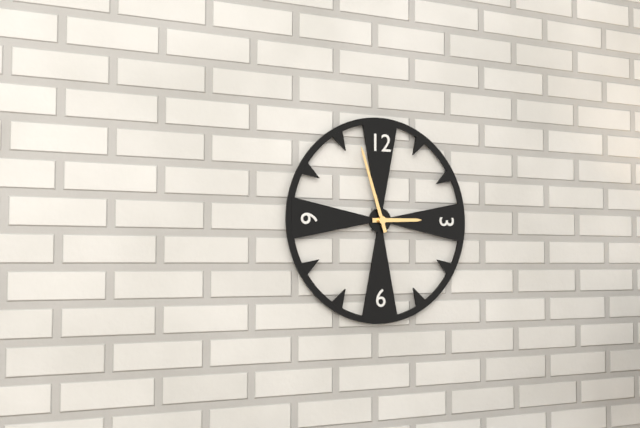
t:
2,57
